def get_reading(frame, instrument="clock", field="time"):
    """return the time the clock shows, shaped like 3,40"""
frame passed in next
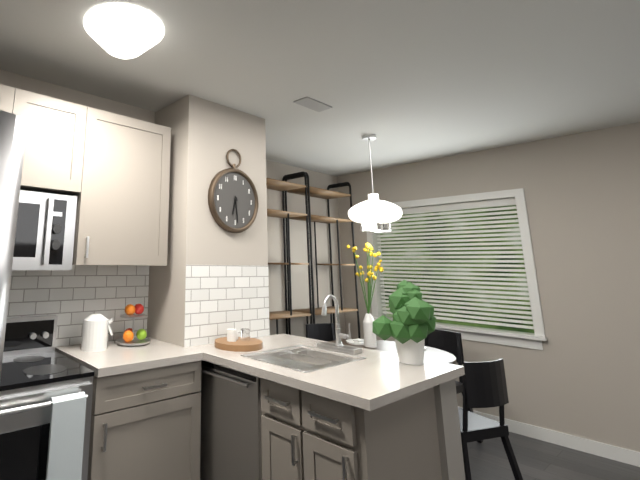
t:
6,29
